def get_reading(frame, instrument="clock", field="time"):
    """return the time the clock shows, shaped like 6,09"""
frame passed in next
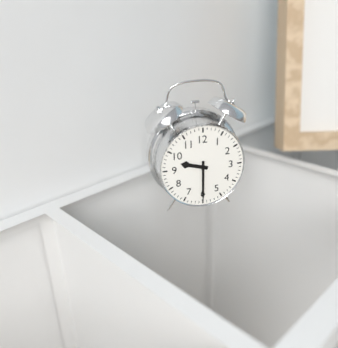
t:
9,30
